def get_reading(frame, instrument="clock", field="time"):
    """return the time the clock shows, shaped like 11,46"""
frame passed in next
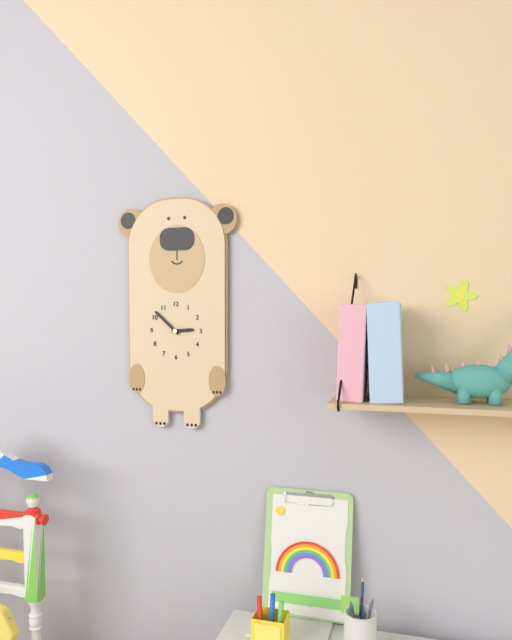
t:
2,52
